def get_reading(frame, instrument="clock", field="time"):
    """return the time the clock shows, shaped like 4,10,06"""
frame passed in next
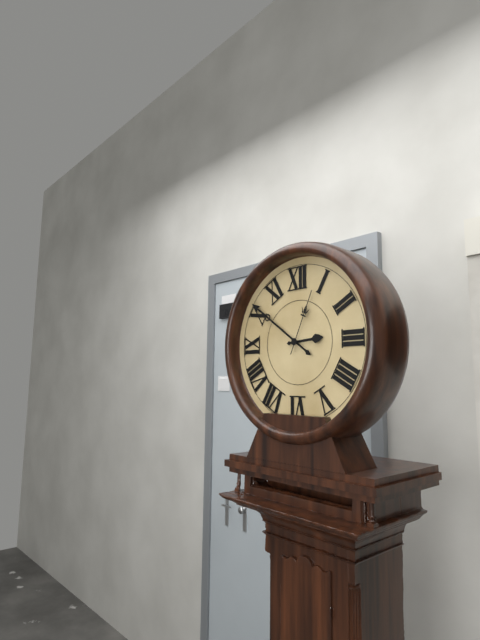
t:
2,51,04
